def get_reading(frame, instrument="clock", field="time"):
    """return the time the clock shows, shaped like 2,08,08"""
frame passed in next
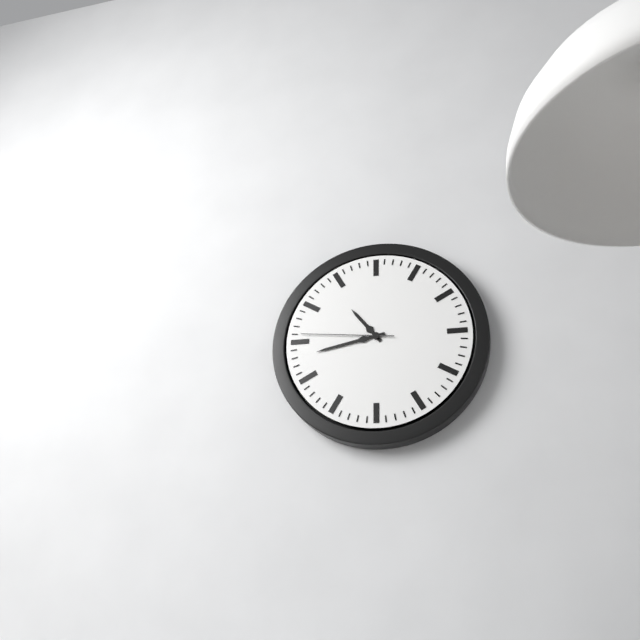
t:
10,43,46
